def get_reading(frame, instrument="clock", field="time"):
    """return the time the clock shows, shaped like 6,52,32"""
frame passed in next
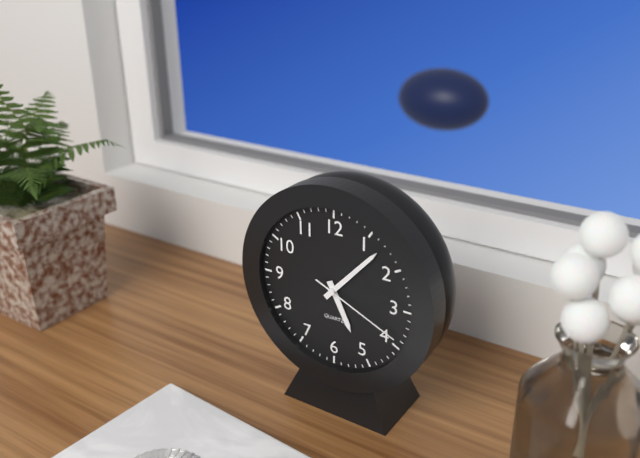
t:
5,07,19
